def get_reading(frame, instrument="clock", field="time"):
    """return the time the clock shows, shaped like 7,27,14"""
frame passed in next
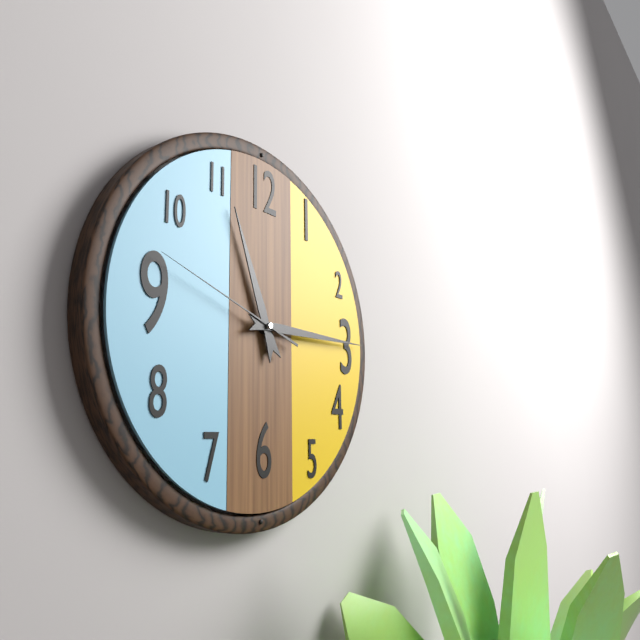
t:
11,15,48
